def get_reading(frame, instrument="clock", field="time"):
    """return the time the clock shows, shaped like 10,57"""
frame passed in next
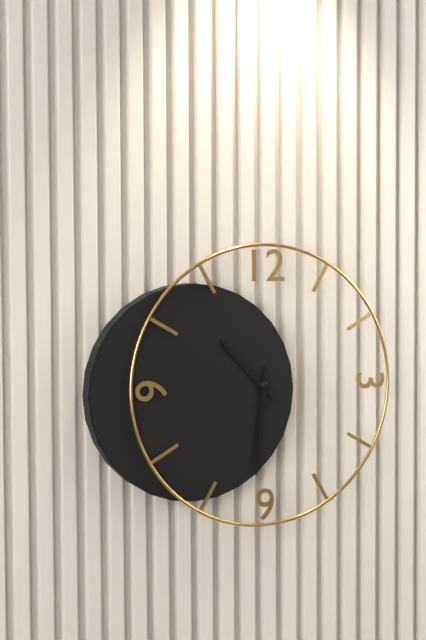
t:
10,31
